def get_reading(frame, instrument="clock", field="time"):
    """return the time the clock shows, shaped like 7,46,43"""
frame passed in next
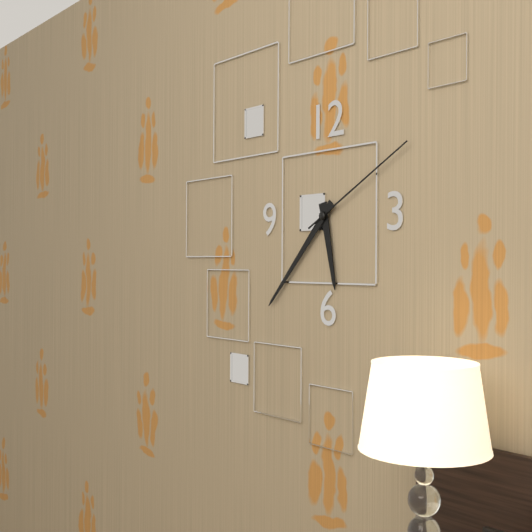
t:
5,37,10
